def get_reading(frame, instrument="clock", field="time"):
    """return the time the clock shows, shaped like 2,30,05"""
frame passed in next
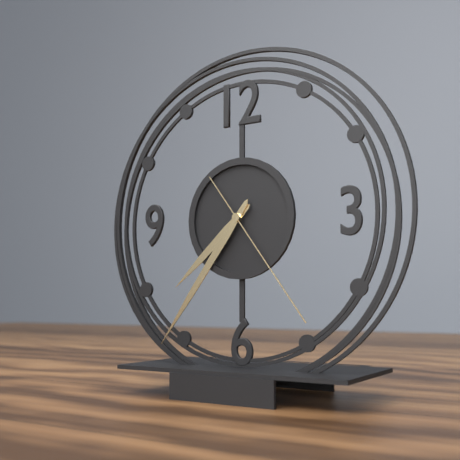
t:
7,36,24
